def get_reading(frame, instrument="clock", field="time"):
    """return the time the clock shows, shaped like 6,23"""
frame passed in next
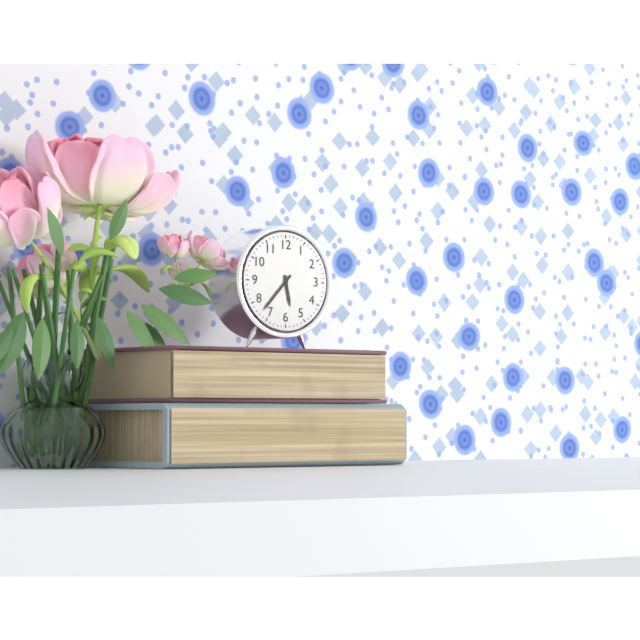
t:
5,37
